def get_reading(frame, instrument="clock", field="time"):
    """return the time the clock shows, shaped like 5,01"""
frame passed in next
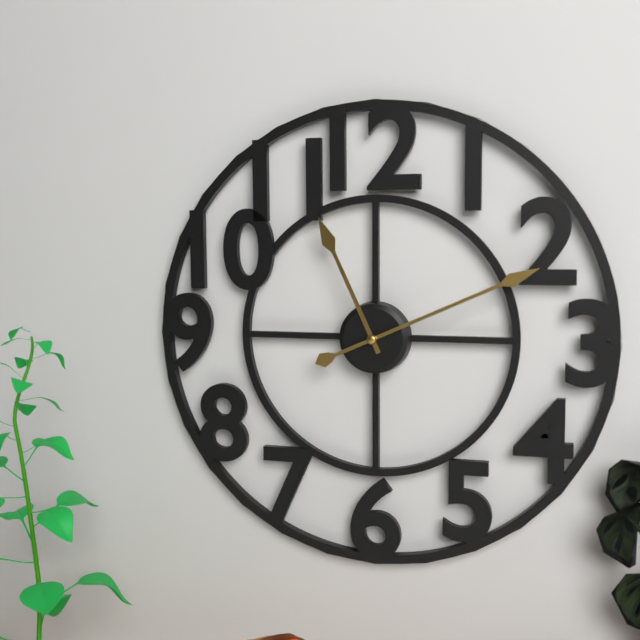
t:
11,11
